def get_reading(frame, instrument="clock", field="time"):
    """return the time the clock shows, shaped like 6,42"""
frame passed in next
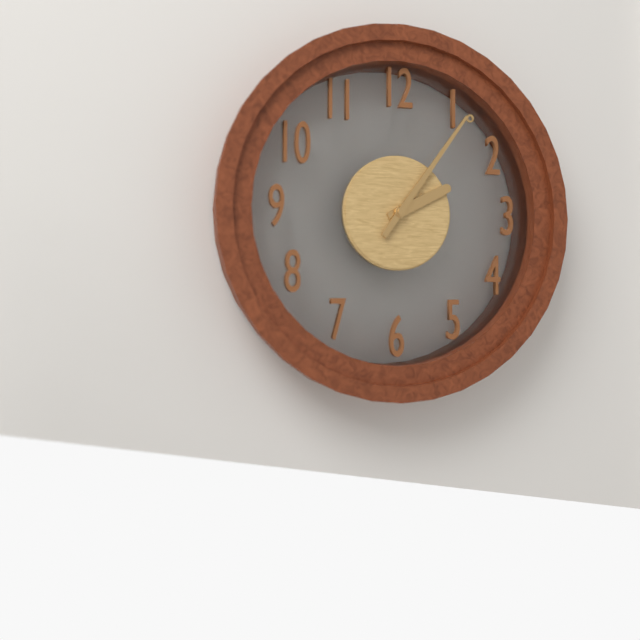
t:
2,06
